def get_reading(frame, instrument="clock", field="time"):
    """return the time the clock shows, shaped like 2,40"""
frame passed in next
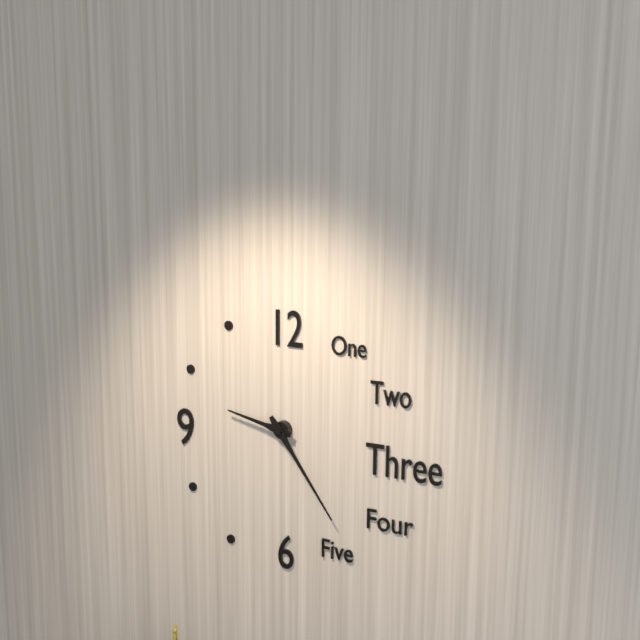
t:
9,24
